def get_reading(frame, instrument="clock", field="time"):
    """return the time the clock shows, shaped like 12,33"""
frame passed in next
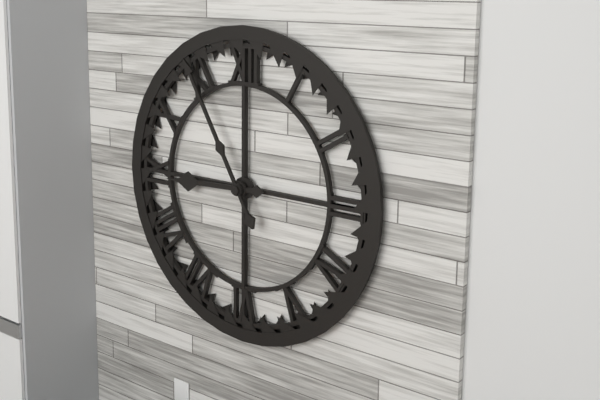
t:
8,55
